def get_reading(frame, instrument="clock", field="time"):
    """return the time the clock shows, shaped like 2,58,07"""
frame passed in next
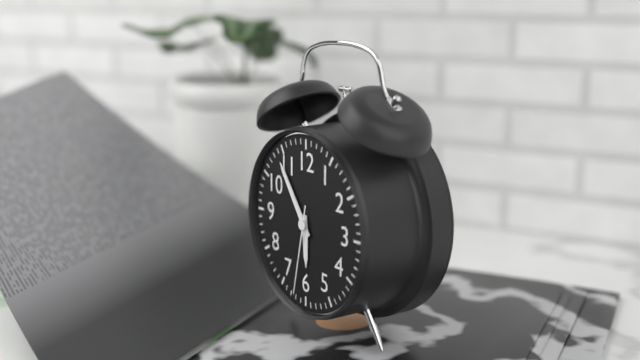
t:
5,54,32
